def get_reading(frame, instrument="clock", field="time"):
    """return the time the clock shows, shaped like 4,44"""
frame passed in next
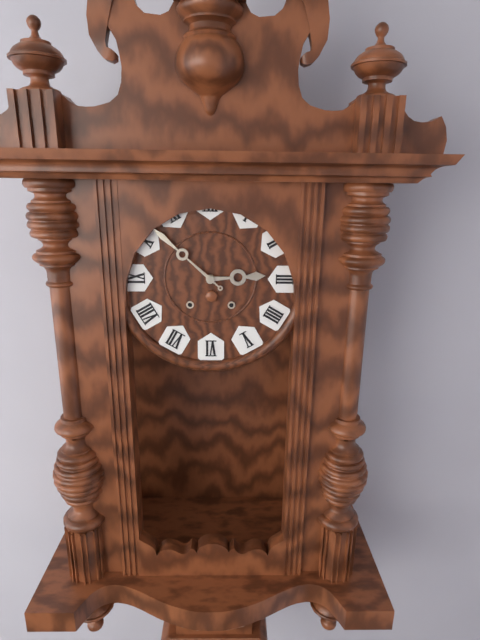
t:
2,52
